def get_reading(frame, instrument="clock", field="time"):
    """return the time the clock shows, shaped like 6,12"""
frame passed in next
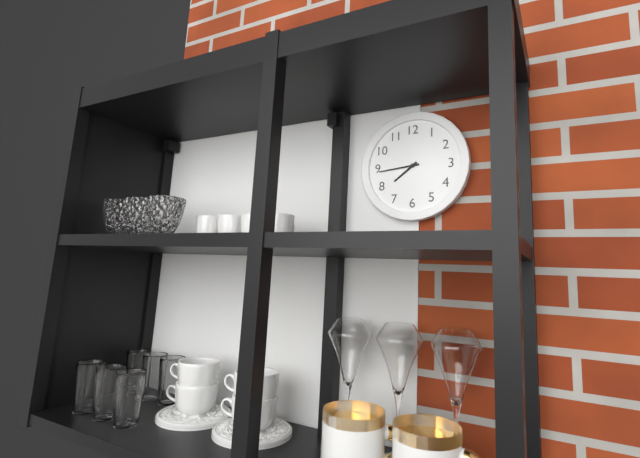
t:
7,44
